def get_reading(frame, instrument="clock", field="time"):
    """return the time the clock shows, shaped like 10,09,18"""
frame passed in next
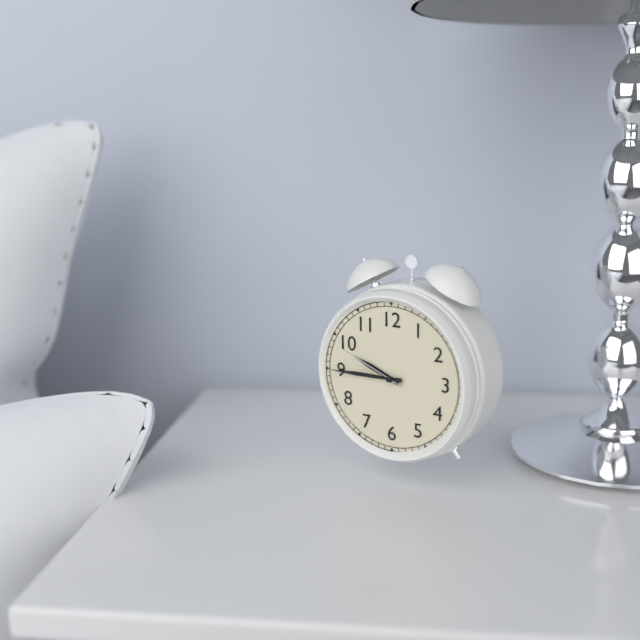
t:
9,45,49
